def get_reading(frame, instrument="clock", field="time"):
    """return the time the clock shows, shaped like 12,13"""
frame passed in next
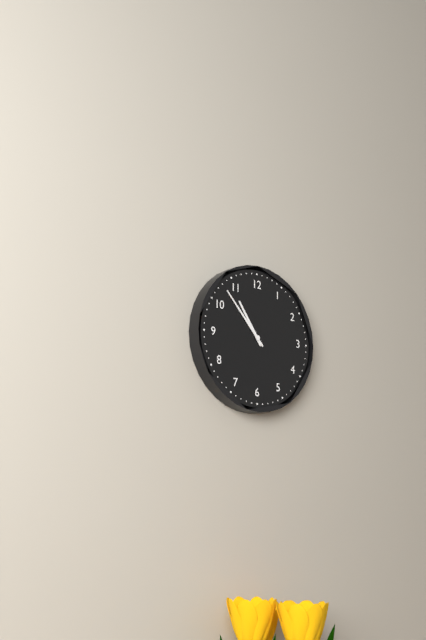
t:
10,53
